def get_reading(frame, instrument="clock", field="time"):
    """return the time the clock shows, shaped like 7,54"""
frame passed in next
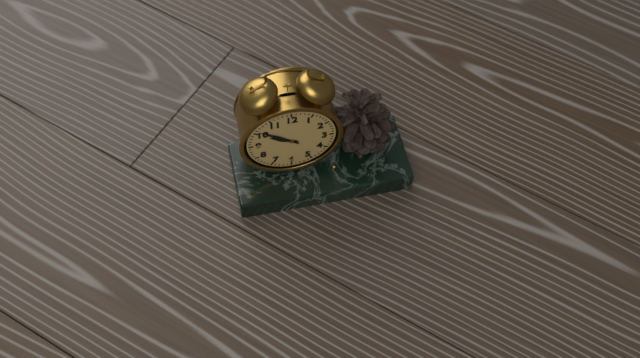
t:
9,51
